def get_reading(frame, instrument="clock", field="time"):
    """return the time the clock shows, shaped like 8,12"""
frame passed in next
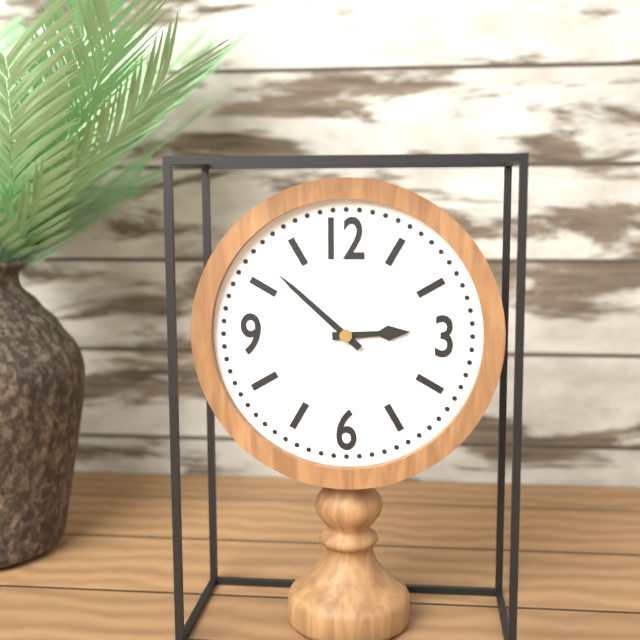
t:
2,52
